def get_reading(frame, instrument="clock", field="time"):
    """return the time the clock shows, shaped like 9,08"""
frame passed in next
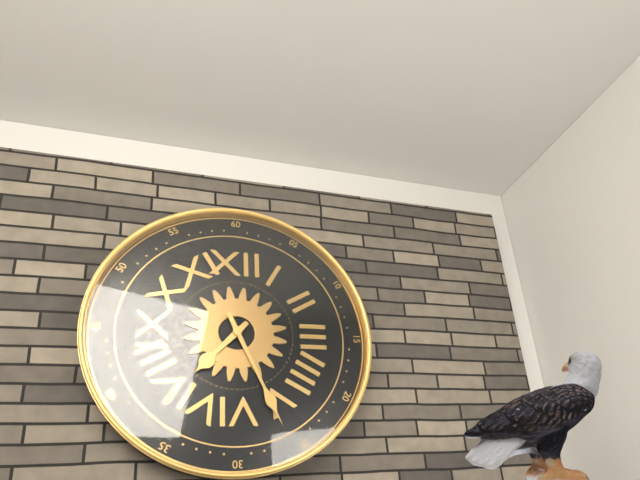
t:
7,26
